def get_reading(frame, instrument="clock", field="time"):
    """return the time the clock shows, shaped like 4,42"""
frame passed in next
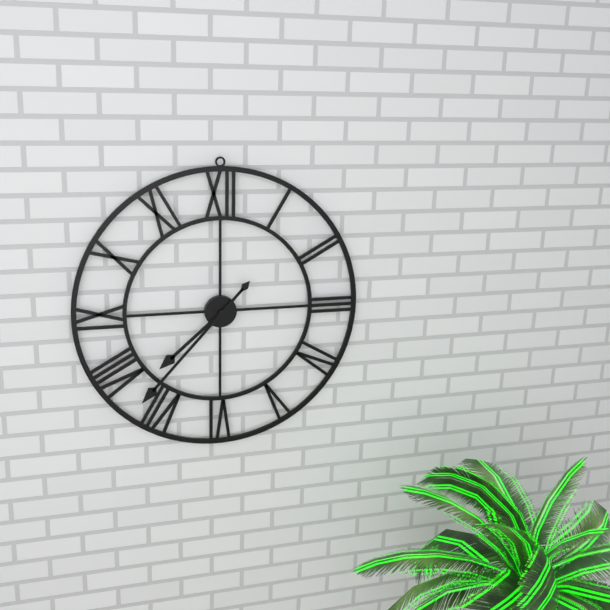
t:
7,37
